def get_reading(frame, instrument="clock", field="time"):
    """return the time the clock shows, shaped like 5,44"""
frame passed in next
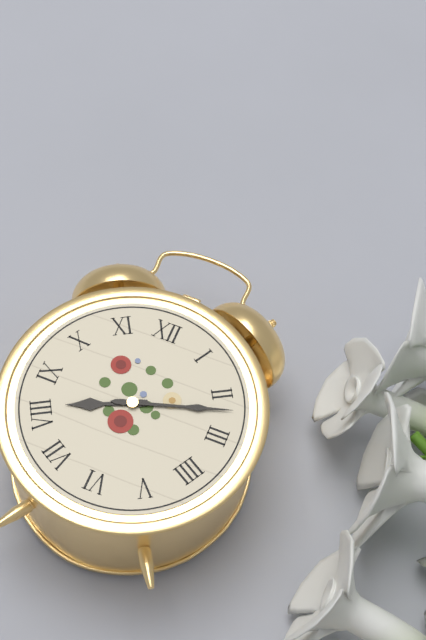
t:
8,12
